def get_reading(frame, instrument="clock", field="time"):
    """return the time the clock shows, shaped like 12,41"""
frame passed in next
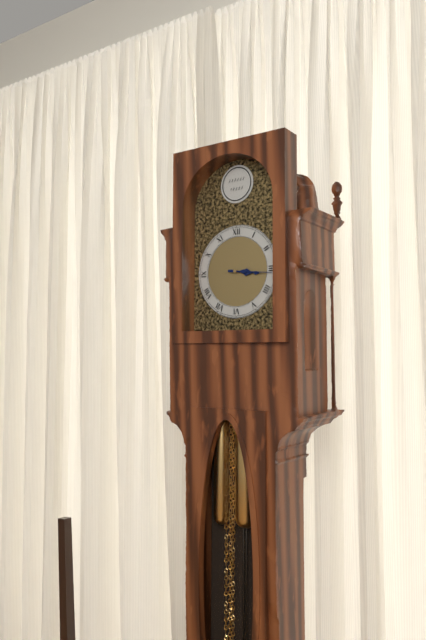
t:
3,16
